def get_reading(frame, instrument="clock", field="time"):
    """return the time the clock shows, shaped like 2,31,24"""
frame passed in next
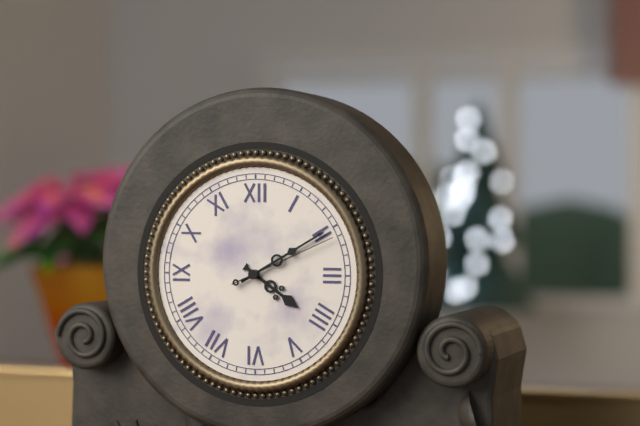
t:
4,10,11
